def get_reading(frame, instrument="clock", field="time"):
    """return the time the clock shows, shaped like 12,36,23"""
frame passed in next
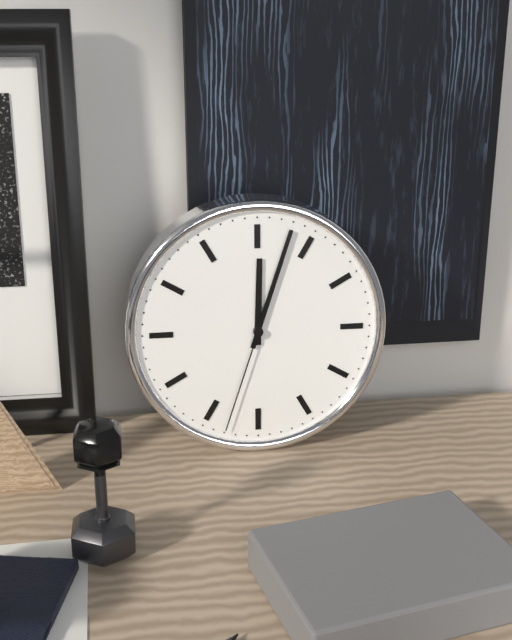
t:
12,03,33
